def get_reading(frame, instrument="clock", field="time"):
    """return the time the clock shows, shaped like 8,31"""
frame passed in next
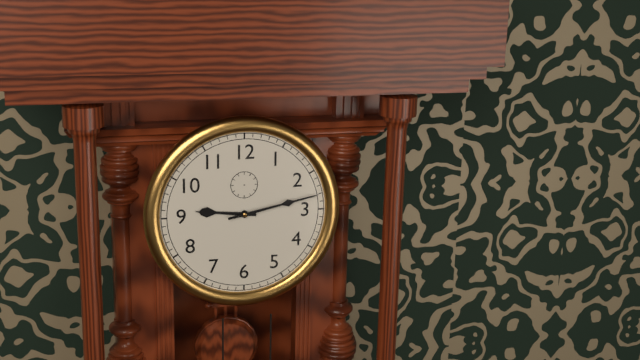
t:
9,13
